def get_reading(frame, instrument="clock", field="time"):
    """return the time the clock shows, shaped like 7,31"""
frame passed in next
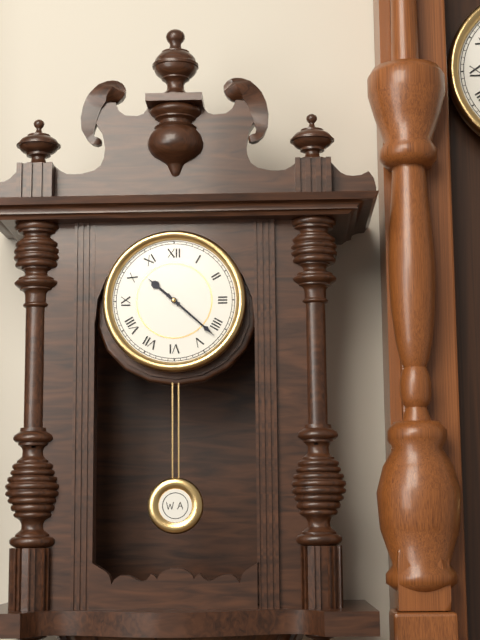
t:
10,22
